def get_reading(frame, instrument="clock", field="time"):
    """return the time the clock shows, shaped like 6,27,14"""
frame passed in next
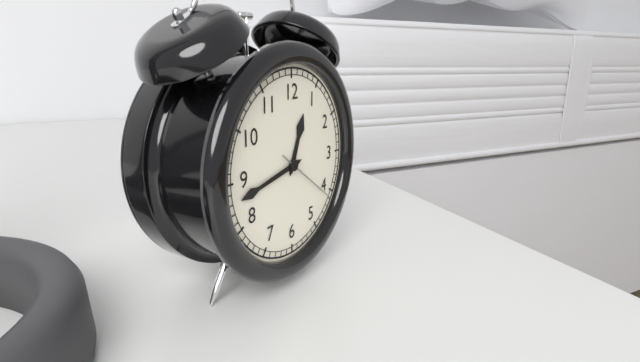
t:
12,43,21
